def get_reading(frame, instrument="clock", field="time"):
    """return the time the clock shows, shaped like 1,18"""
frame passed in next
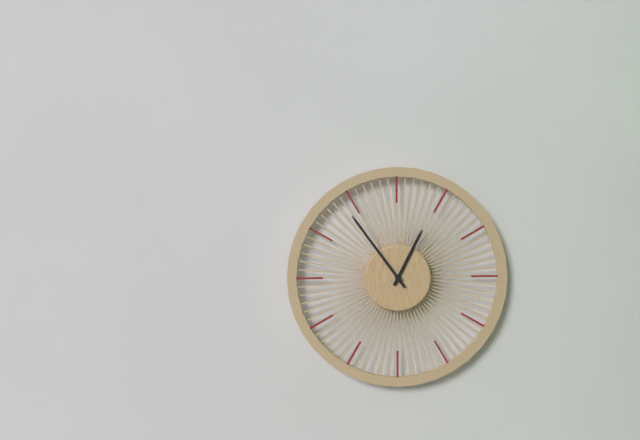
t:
12,54
